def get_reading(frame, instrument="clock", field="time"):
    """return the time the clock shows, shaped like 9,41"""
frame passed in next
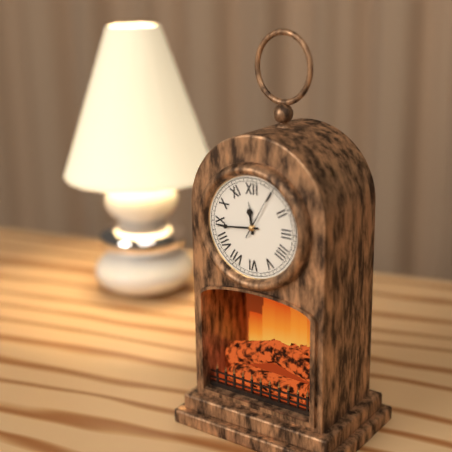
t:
11,44
